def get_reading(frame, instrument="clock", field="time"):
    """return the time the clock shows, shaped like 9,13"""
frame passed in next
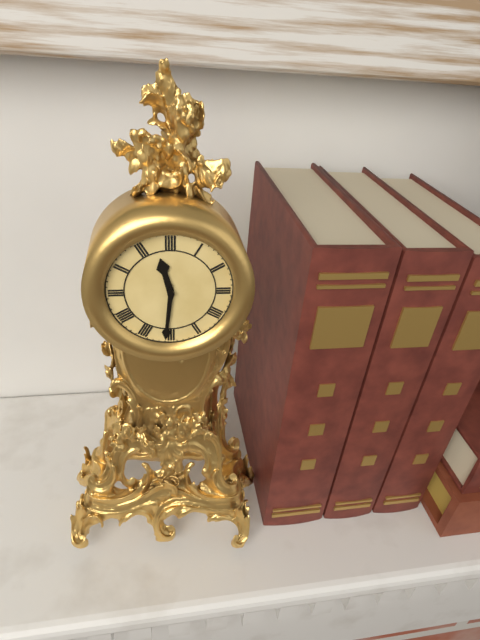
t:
11,31
